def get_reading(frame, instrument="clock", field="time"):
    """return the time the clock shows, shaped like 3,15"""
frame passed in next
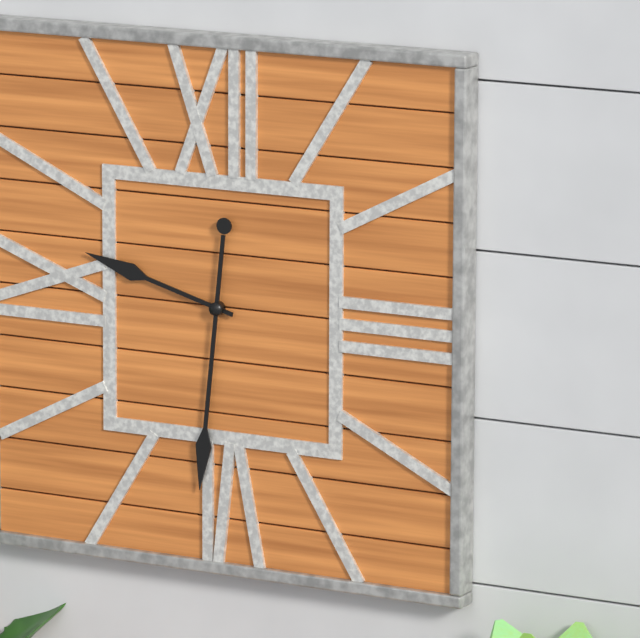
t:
9,31
